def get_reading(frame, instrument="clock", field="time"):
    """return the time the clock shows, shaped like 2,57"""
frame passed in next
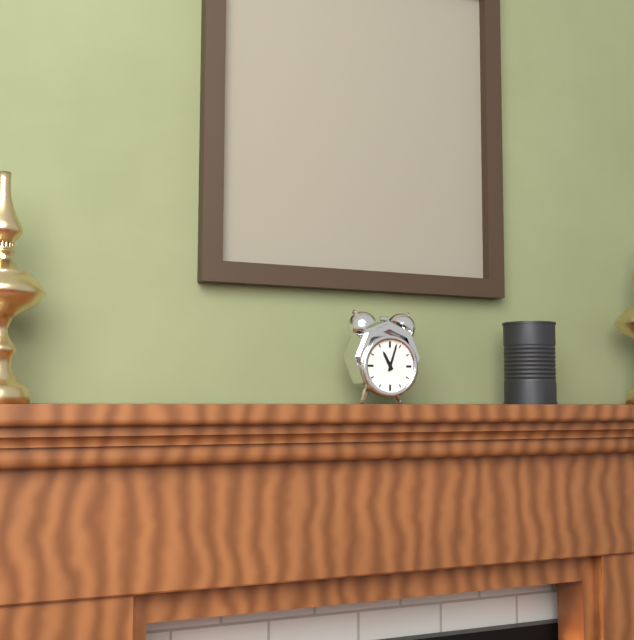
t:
11,03
